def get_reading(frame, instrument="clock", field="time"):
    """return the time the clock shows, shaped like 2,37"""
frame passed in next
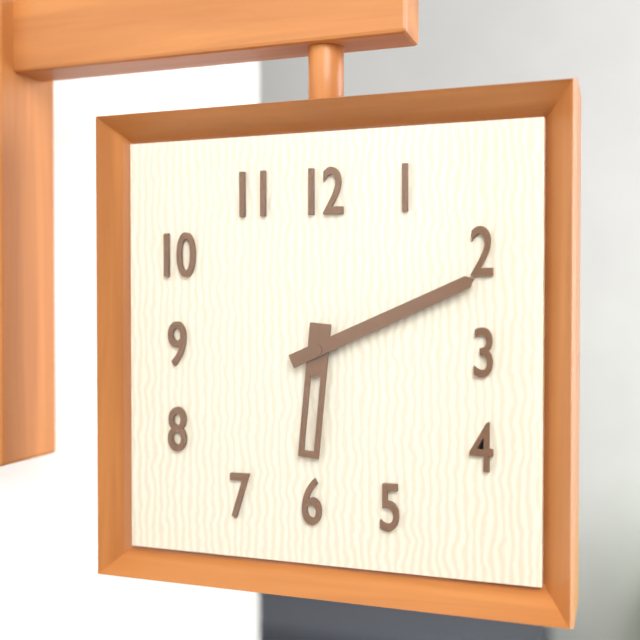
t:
6,11
